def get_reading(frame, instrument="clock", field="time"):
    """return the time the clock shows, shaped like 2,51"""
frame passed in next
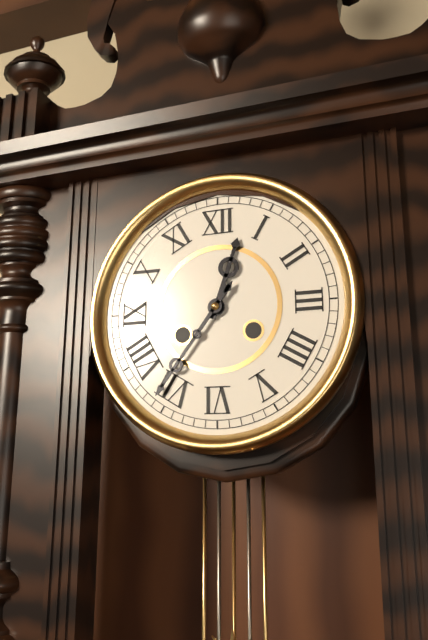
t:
12,36
